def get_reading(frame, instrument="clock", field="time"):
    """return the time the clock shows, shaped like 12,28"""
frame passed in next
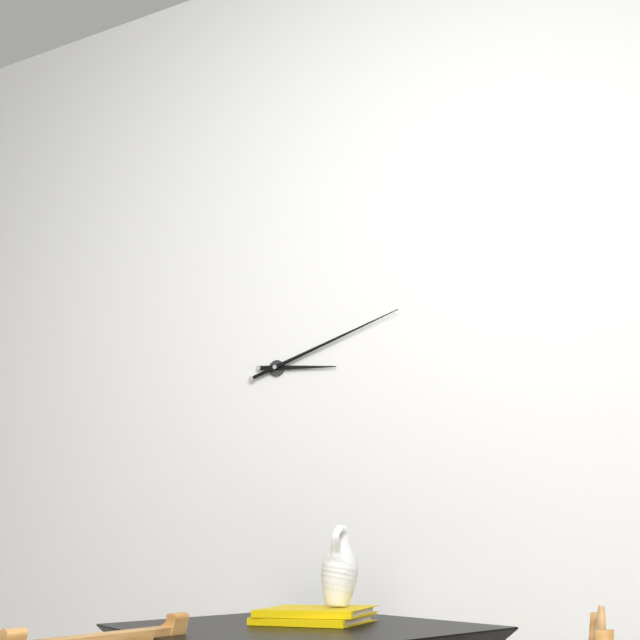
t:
3,12
